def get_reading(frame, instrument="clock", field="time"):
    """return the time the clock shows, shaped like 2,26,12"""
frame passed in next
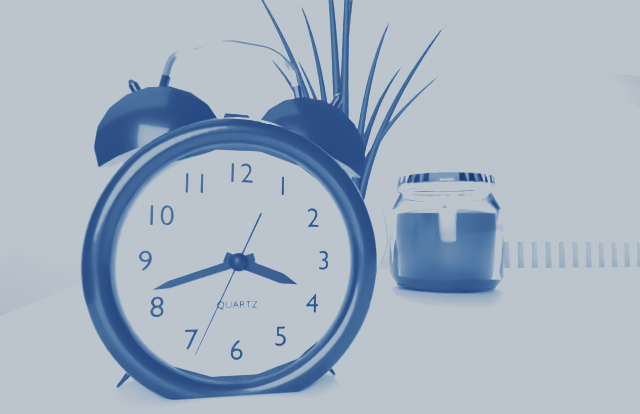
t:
3,42,34
